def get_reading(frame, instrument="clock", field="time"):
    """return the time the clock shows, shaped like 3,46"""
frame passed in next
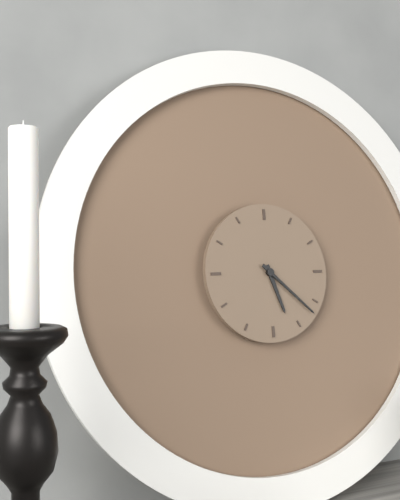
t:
5,22
